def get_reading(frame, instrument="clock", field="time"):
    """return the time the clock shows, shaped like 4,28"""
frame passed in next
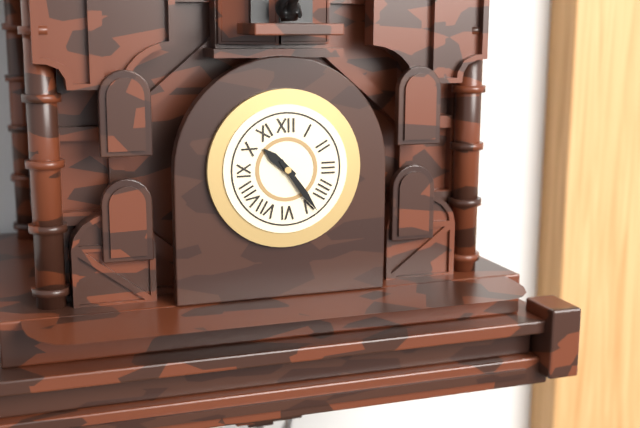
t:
10,24
